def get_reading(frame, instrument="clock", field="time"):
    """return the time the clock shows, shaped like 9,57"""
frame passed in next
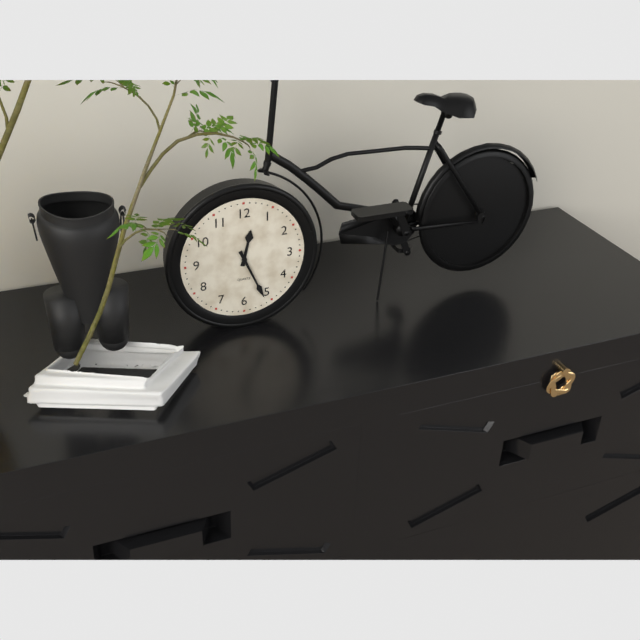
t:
12,26
